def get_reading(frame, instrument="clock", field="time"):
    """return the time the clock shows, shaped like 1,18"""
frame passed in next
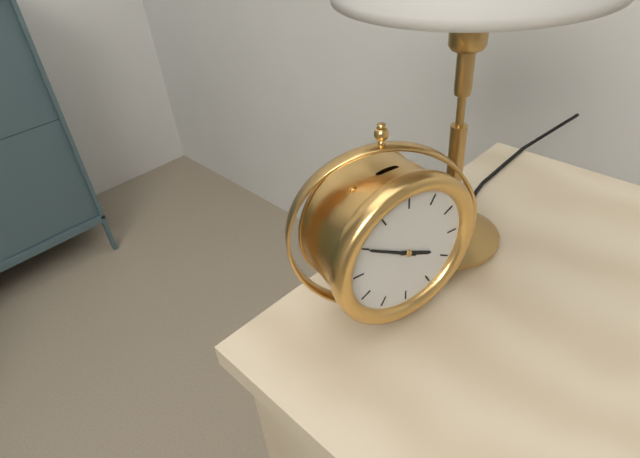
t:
3,50
